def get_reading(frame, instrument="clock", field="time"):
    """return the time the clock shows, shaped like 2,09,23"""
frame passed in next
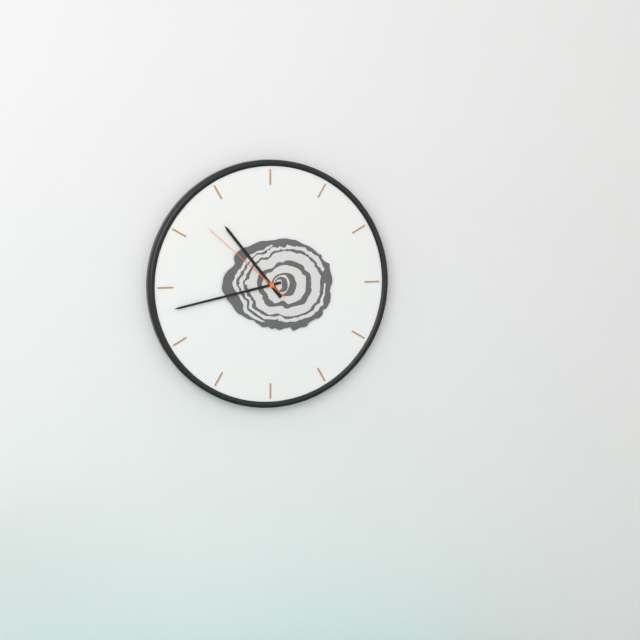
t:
10,43,52
